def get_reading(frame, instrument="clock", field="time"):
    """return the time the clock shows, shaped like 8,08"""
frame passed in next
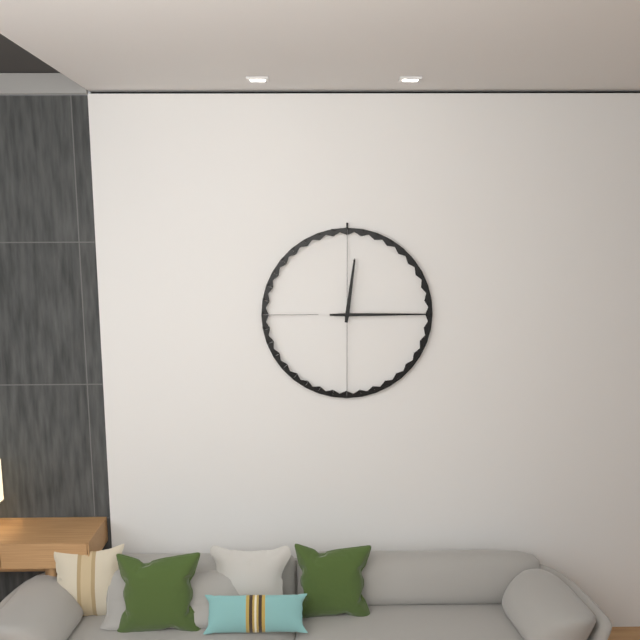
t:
12,15
